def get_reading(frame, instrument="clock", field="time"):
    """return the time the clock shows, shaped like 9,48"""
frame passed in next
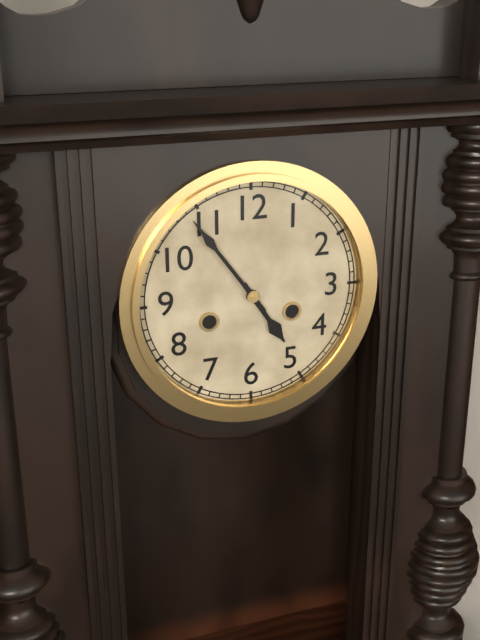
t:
4,54
